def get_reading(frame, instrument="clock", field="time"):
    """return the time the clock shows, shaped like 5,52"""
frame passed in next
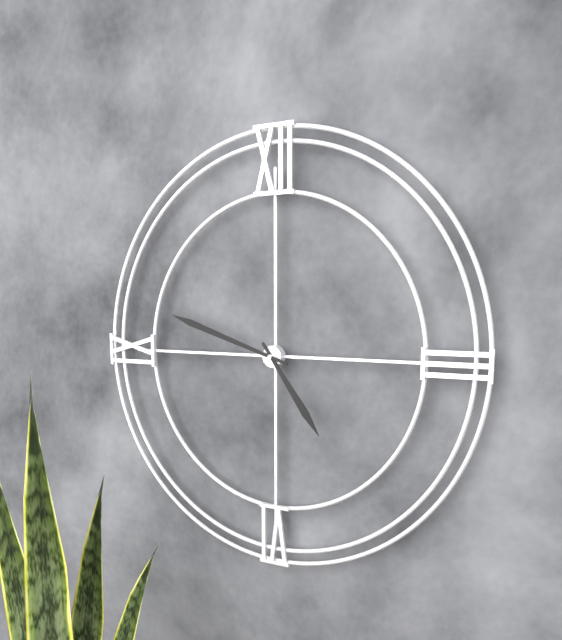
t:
4,48
